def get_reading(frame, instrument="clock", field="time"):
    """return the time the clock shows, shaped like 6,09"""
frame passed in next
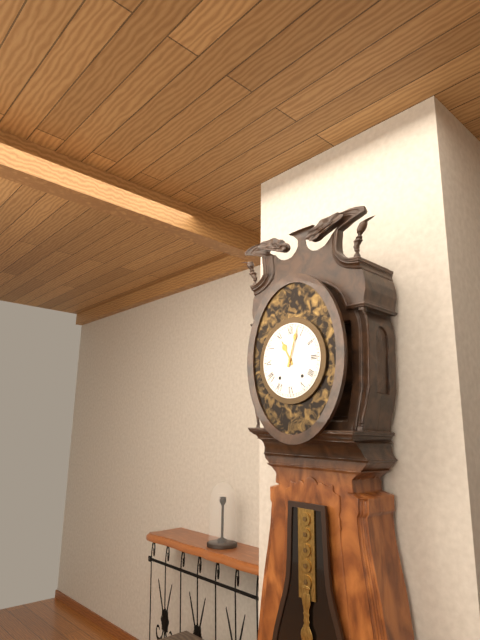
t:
11,03
